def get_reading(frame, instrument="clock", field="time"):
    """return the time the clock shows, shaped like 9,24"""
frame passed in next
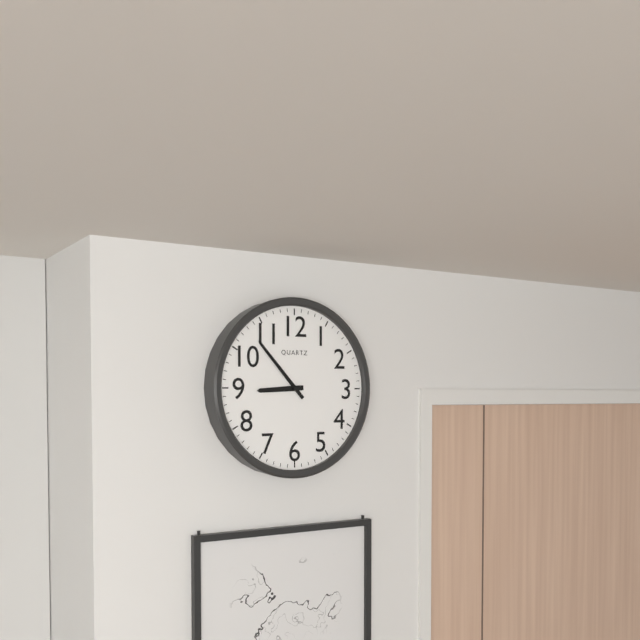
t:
8,53
